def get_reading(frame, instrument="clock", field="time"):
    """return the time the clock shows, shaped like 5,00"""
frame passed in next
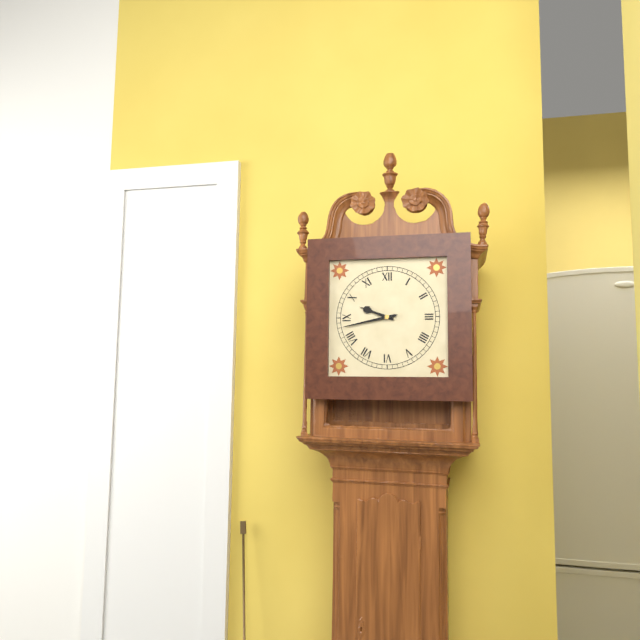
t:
9,43
